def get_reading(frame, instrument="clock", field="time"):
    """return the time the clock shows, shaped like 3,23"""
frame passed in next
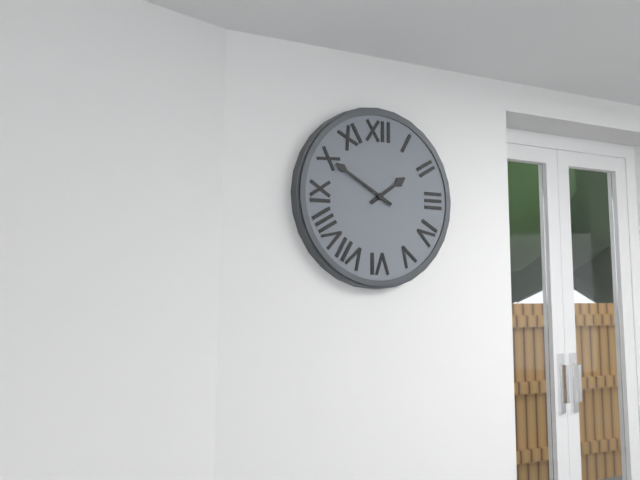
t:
1,50
